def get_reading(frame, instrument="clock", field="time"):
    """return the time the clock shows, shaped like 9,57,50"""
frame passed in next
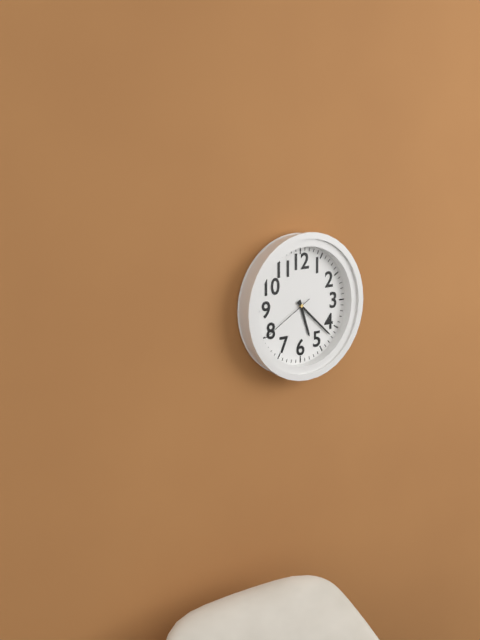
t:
5,22,40
